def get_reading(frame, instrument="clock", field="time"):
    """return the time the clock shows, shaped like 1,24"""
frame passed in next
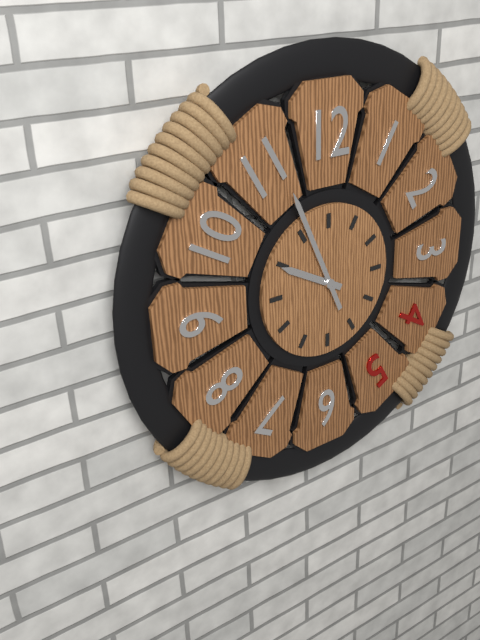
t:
9,56
